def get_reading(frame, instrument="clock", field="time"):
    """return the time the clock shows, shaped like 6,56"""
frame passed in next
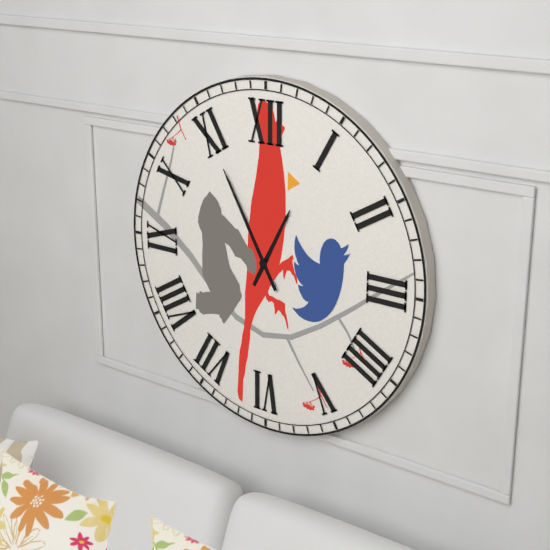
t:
12,55
